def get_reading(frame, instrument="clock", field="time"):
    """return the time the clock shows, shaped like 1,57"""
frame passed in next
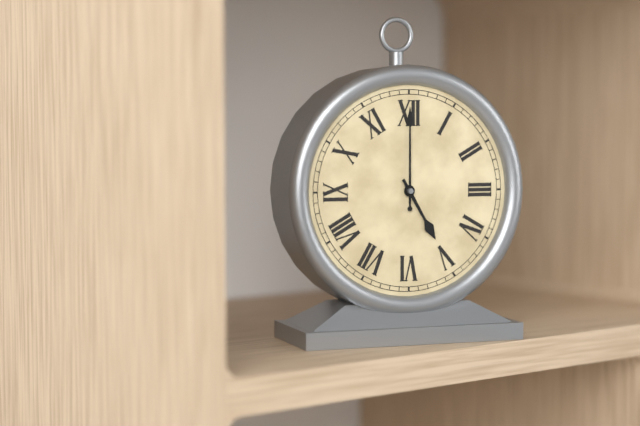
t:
5,00
